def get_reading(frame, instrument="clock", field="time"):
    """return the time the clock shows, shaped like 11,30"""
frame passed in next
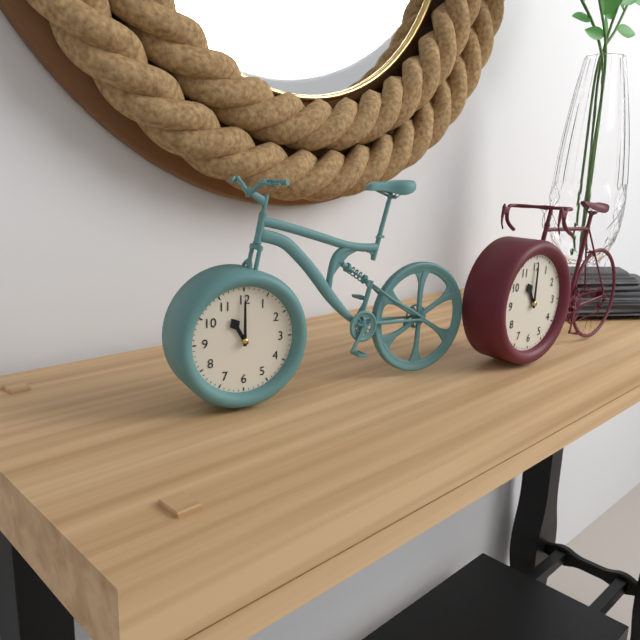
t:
11,00
